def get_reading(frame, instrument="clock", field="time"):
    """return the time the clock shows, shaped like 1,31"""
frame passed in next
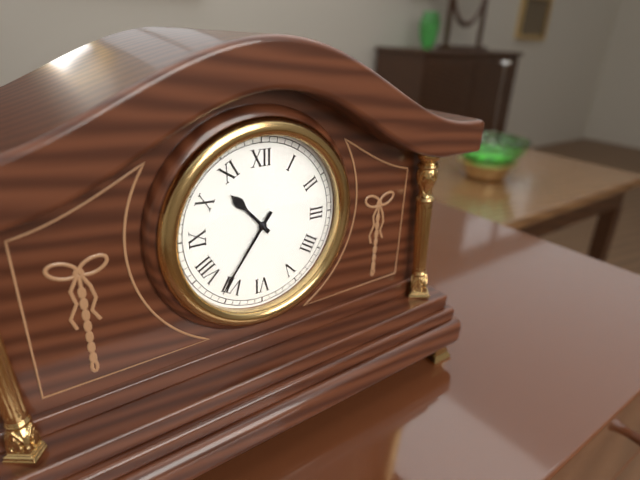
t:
10,36
